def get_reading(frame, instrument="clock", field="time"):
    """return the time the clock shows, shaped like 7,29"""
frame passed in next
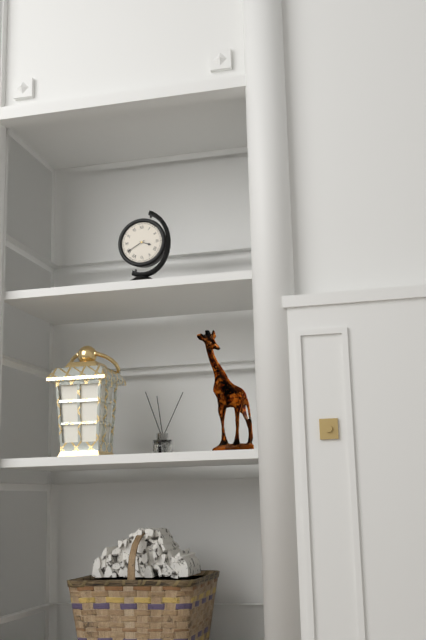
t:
3,40
